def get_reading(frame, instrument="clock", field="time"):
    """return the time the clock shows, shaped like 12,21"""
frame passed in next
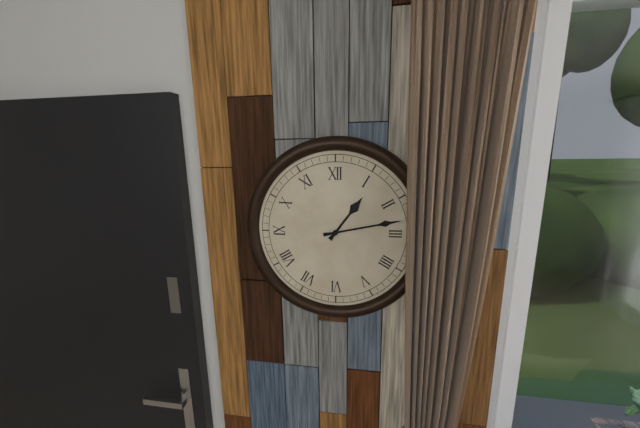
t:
1,13
